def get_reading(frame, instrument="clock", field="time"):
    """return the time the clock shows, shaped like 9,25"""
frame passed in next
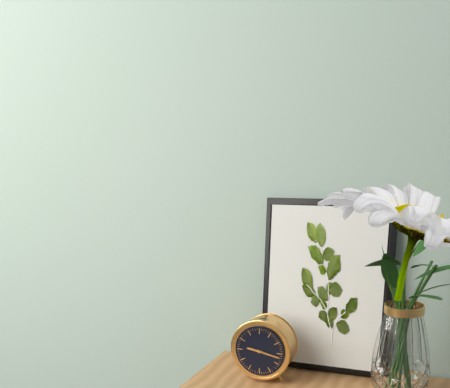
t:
9,17
